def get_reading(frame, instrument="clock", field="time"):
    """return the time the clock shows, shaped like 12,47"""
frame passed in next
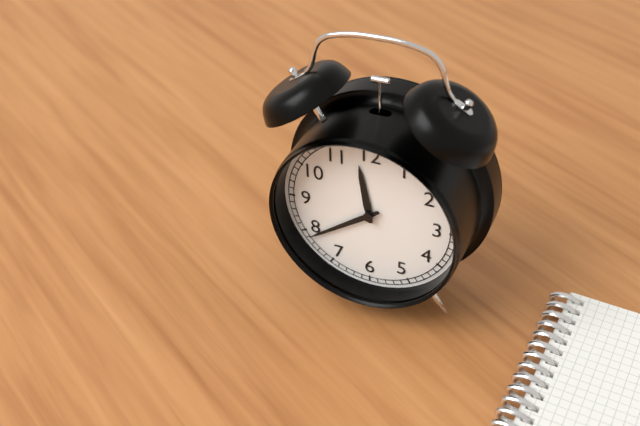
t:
11,39
